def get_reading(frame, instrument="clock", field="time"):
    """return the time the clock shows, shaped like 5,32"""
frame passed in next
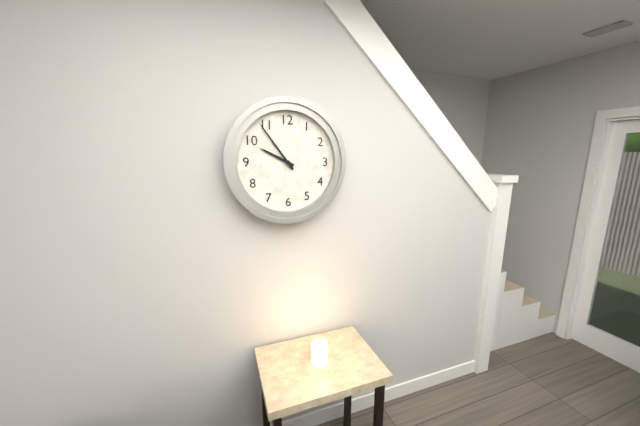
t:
9,54
